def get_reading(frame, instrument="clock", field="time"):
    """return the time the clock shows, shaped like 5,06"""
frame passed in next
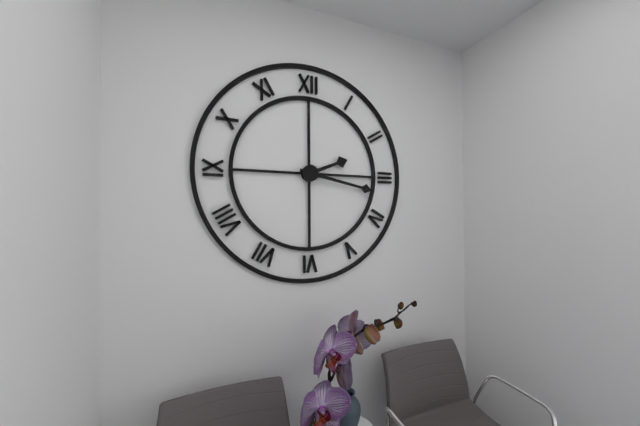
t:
2,17
